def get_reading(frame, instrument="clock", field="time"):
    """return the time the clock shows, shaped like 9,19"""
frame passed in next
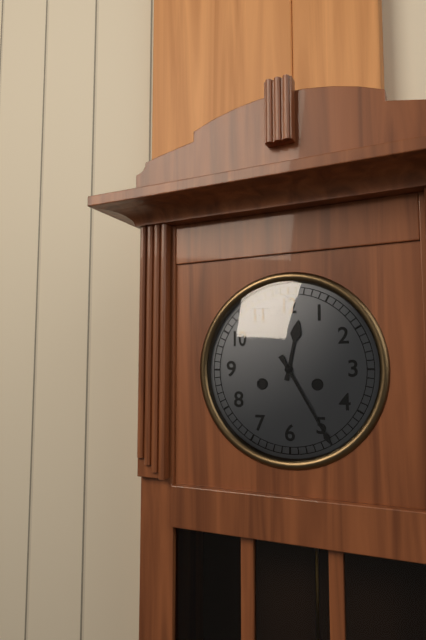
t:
12,25
